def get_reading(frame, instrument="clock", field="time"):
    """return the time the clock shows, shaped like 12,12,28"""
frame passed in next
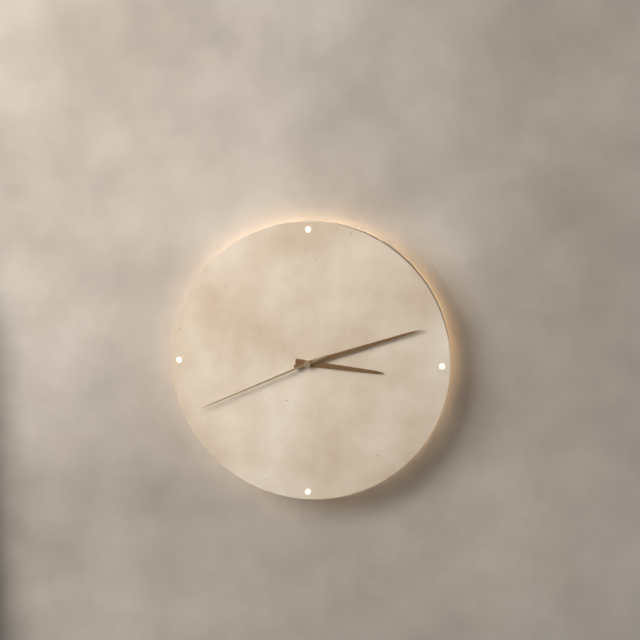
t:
3,12,41
